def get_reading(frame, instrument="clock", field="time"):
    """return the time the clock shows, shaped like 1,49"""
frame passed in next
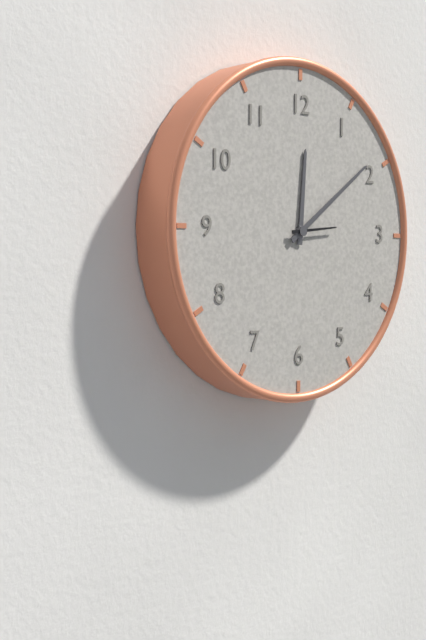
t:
12,09
